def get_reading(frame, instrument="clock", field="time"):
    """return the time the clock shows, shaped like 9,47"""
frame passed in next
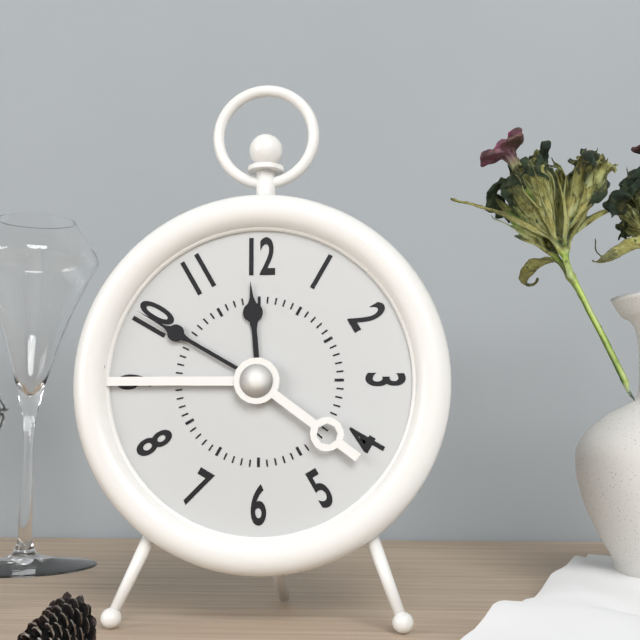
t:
11,50
